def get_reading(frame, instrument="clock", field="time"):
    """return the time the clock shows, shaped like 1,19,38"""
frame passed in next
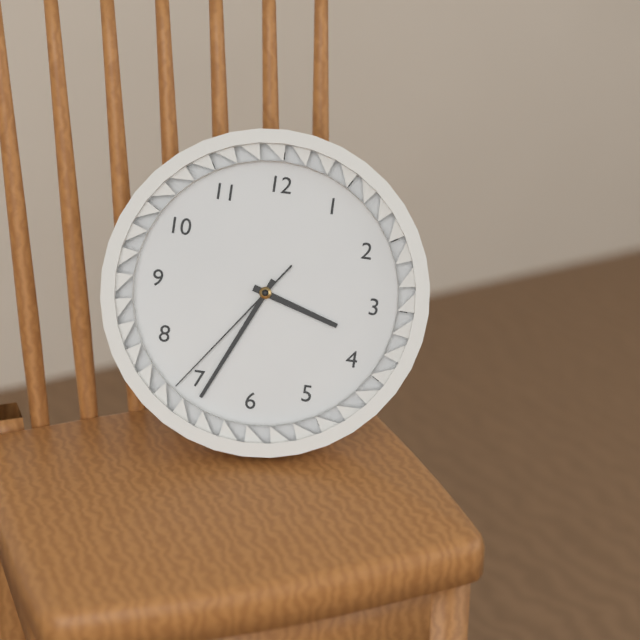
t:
3,34,36
